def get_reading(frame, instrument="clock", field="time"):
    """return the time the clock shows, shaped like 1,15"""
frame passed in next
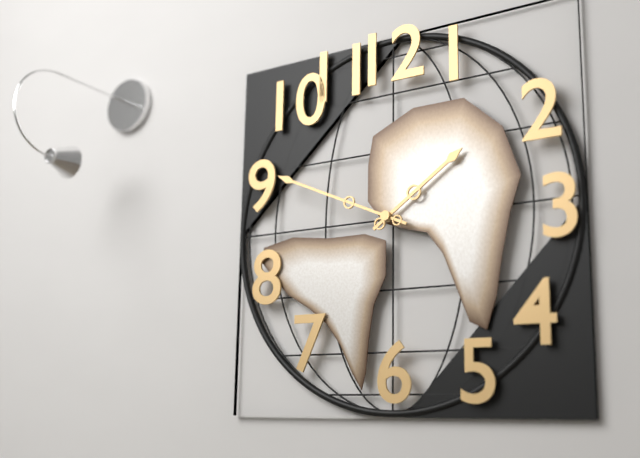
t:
1,49
